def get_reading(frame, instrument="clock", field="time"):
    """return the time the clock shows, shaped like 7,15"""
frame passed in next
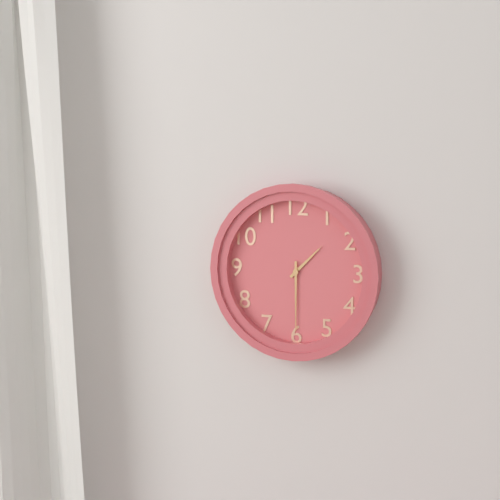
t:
1,30
